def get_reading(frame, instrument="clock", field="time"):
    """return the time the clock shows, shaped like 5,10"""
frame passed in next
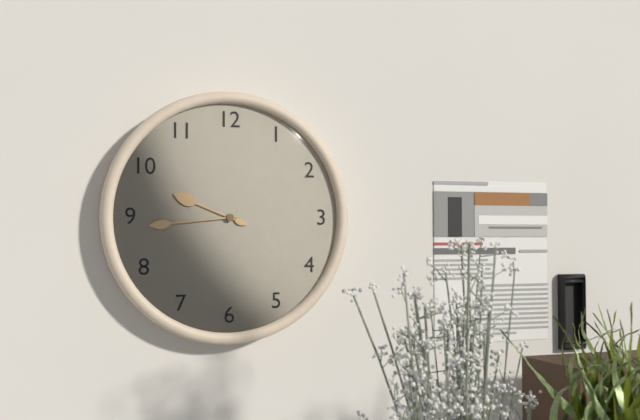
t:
9,44
